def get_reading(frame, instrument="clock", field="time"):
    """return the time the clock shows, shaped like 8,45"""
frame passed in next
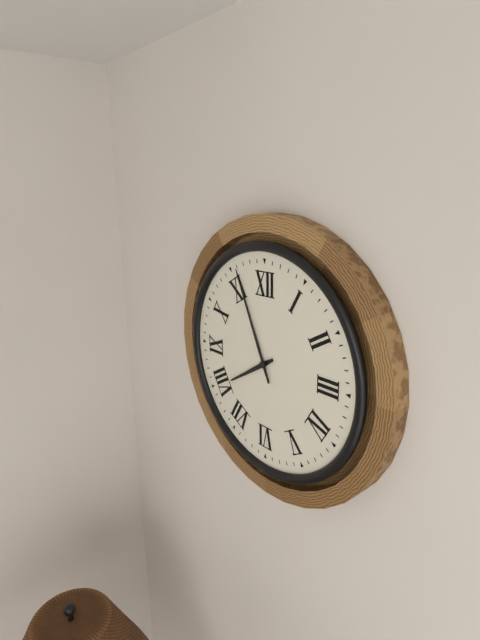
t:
7,56
